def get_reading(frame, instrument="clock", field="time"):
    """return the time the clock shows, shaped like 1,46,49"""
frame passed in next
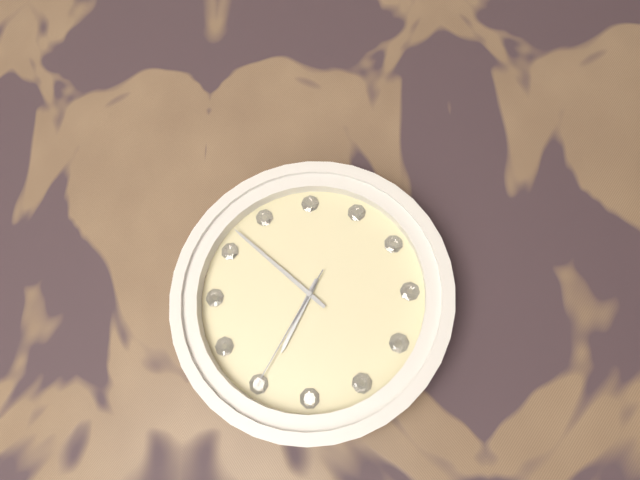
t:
6,52,35
